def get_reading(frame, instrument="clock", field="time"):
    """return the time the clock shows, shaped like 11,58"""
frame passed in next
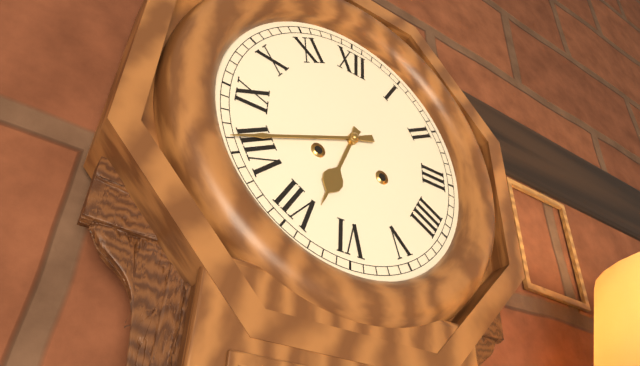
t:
6,41
